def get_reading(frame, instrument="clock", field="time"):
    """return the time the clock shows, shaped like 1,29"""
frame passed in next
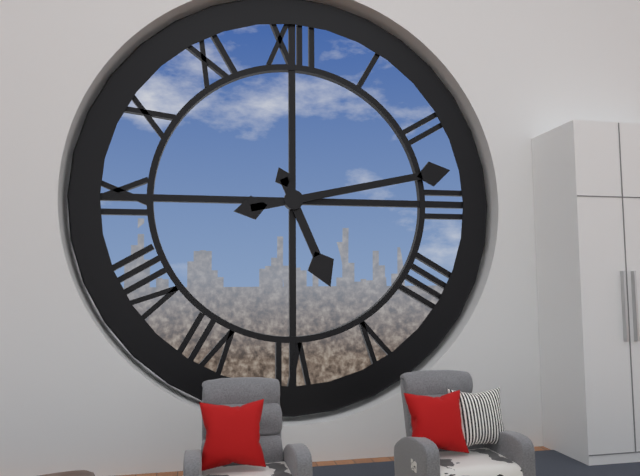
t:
5,13
